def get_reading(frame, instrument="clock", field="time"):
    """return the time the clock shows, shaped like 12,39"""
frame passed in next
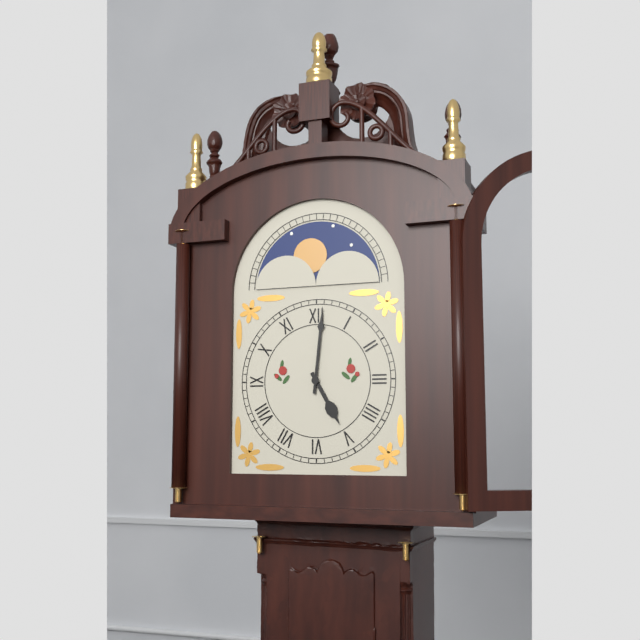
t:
5,01
